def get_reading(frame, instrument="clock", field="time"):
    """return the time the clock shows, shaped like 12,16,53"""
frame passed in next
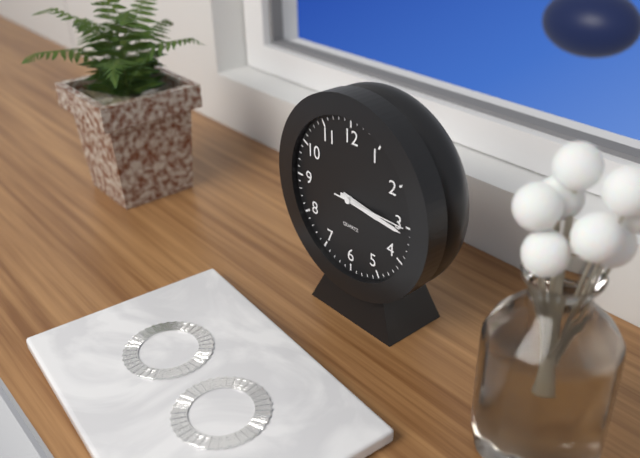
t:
3,16,15
